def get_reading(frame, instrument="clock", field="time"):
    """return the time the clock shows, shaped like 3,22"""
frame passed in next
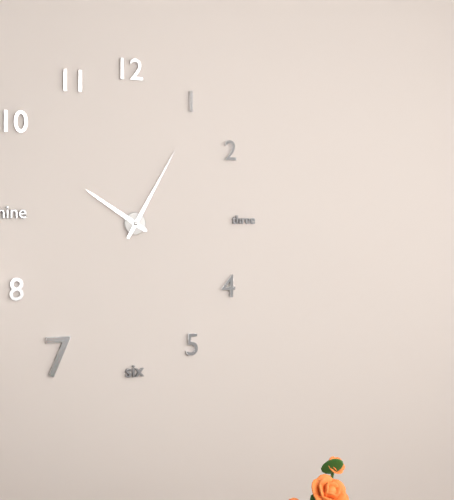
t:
10,05
